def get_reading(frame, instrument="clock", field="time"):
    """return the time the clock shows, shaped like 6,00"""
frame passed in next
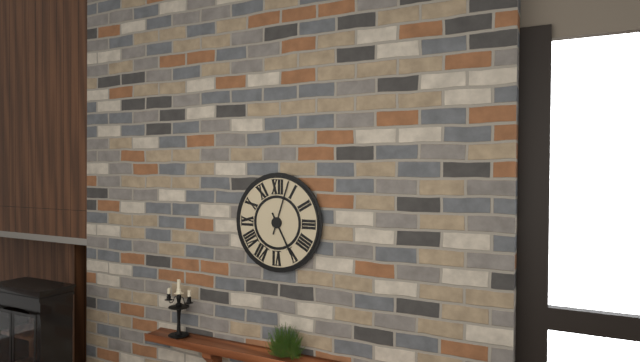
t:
5,03
